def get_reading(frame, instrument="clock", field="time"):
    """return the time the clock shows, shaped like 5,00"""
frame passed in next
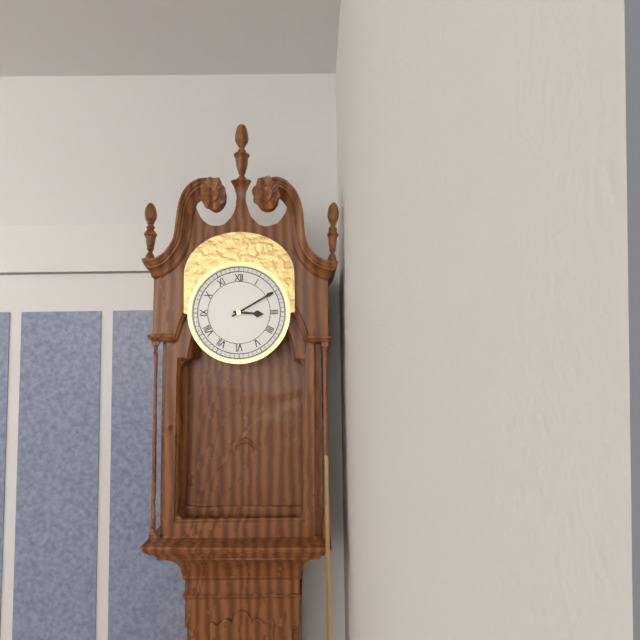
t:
3,10
